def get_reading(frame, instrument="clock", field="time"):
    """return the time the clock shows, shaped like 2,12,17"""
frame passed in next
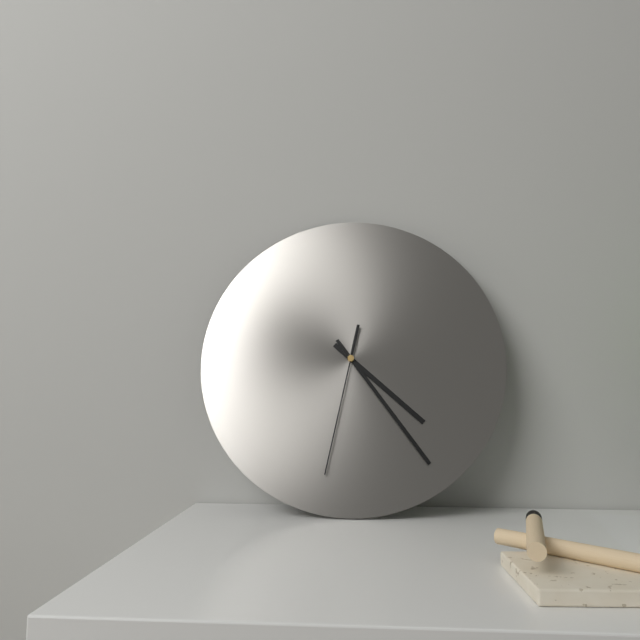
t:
4,24,32
